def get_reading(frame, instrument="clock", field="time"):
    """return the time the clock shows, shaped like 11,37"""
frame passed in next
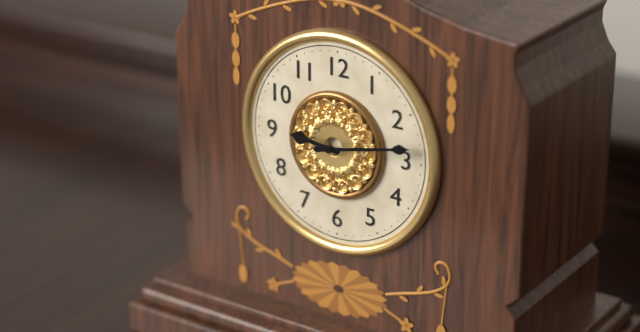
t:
9,13
